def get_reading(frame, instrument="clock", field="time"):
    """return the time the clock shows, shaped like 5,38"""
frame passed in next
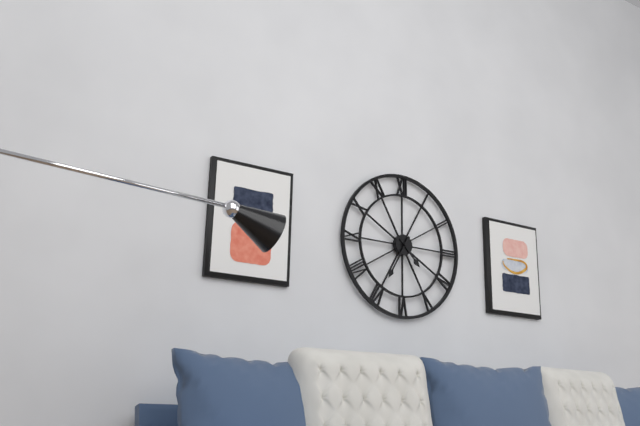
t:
4,35
